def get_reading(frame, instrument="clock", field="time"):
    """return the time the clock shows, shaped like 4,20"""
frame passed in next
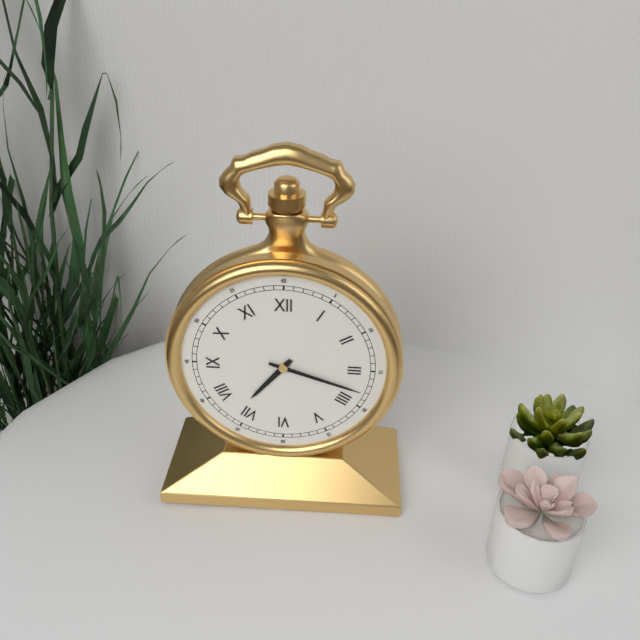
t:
7,18
